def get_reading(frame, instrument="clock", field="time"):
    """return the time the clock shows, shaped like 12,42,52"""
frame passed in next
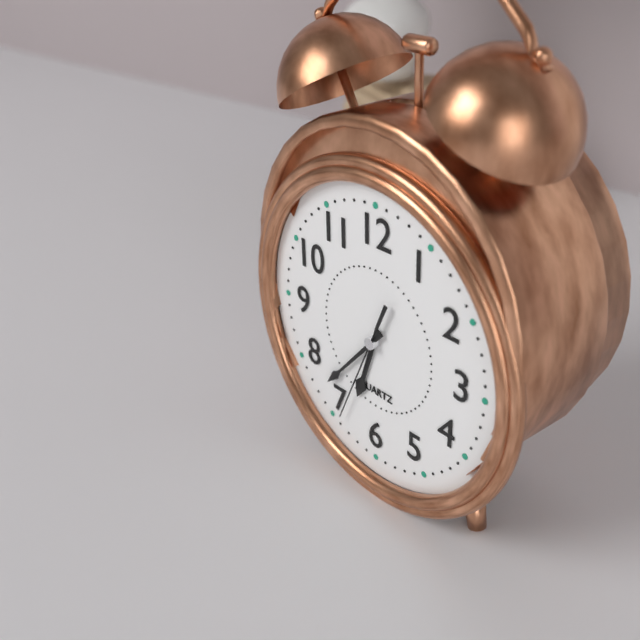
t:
6,37,34
